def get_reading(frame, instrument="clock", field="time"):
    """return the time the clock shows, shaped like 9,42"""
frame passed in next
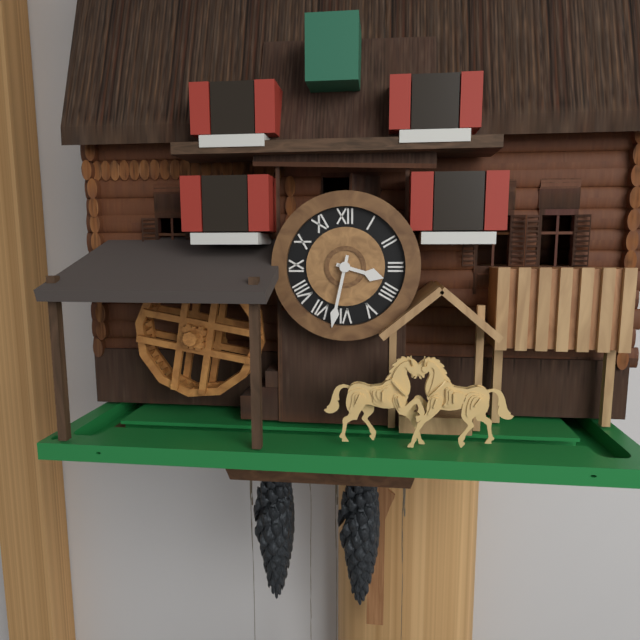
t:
3,32
